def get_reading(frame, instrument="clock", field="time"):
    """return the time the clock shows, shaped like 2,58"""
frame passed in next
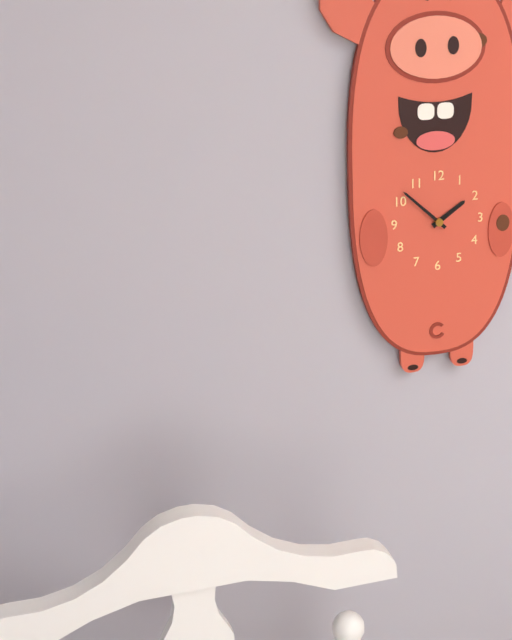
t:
1,52
